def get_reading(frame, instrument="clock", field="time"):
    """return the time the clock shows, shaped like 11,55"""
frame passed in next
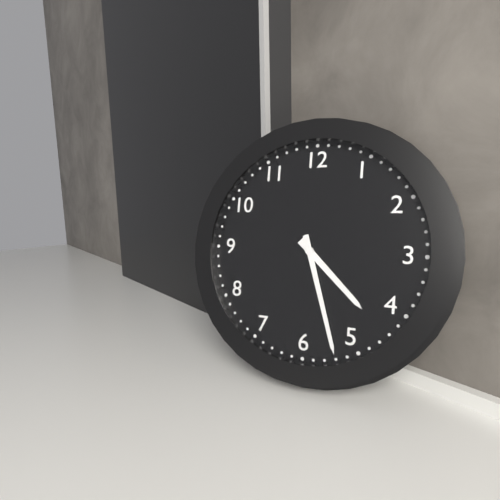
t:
4,27
